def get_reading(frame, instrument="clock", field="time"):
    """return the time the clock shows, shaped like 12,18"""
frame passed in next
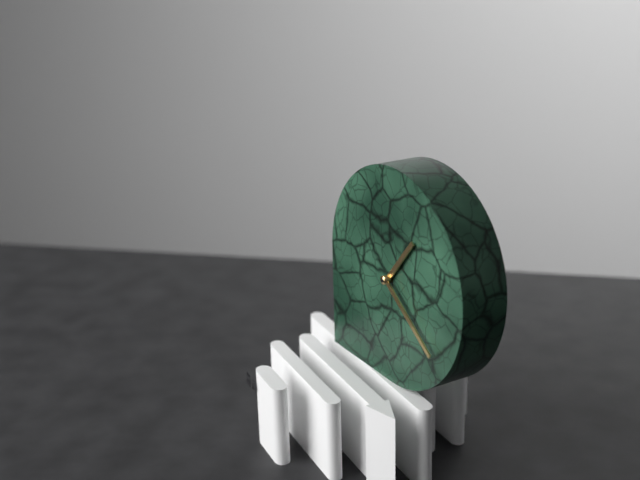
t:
1,21
